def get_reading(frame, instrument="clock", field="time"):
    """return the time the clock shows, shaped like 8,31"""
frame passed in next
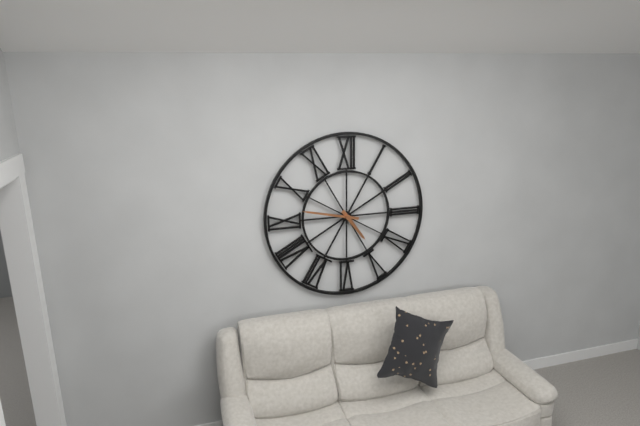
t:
4,47
